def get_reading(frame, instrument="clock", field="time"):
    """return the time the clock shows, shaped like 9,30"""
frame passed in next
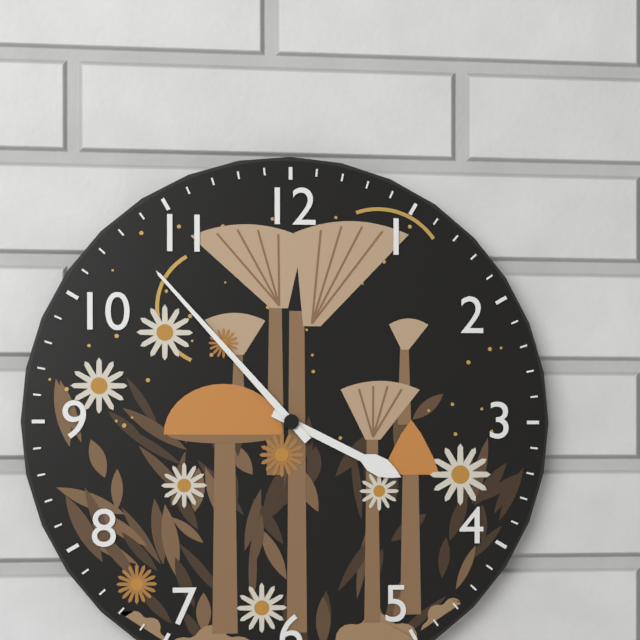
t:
3,53
